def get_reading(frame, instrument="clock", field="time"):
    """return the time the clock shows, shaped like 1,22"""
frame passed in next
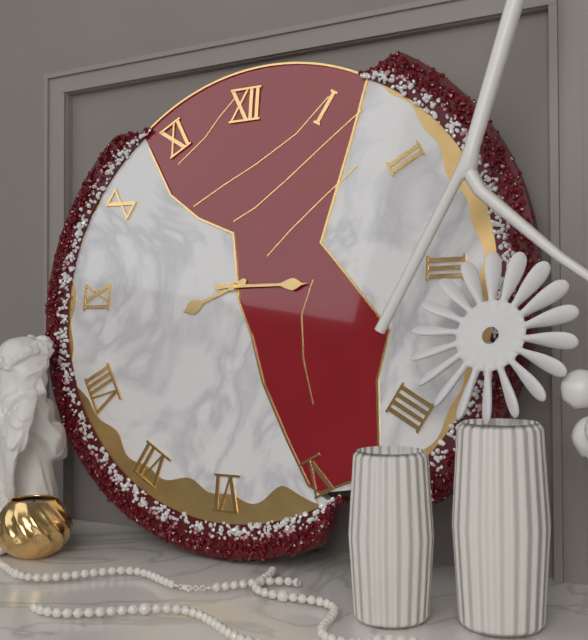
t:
8,15
